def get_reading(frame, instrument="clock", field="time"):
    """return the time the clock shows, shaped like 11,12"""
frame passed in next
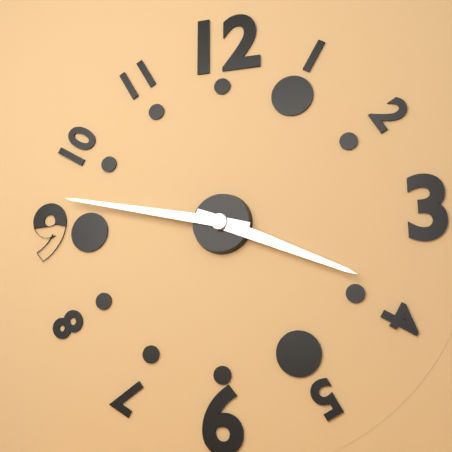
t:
3,47
